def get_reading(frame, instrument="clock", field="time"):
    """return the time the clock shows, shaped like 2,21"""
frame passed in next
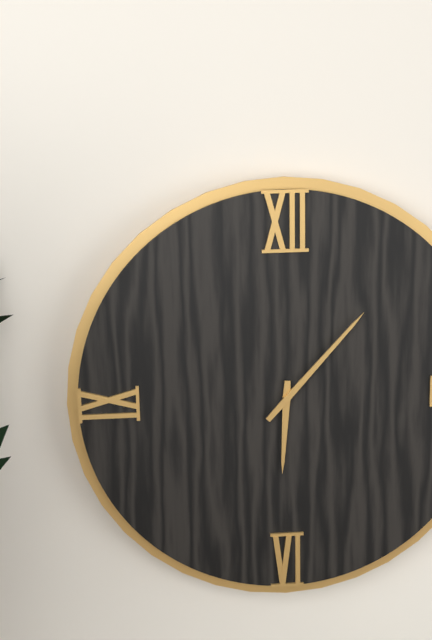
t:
6,07
